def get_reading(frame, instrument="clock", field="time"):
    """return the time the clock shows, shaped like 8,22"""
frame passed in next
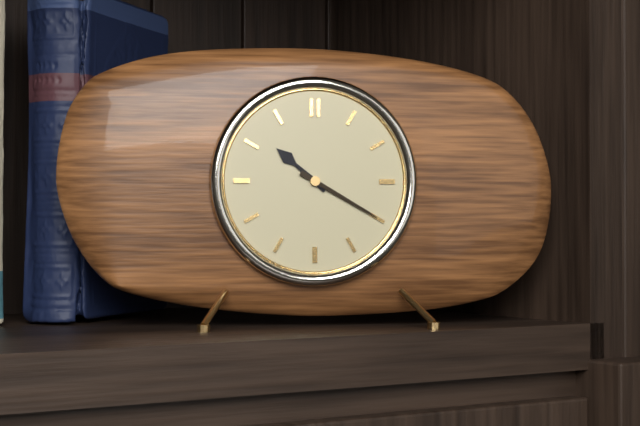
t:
10,20
